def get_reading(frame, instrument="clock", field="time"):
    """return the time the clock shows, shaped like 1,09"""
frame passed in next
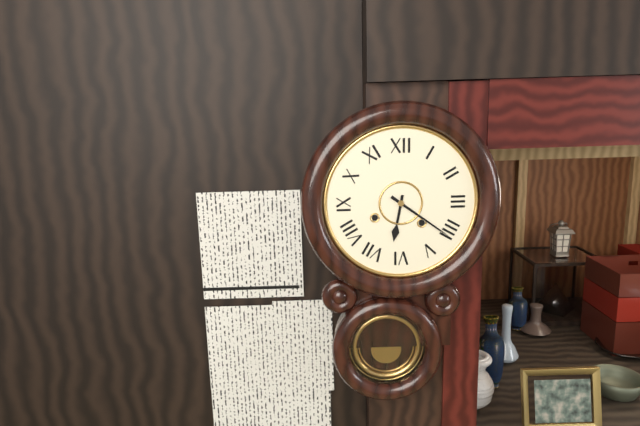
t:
6,21
